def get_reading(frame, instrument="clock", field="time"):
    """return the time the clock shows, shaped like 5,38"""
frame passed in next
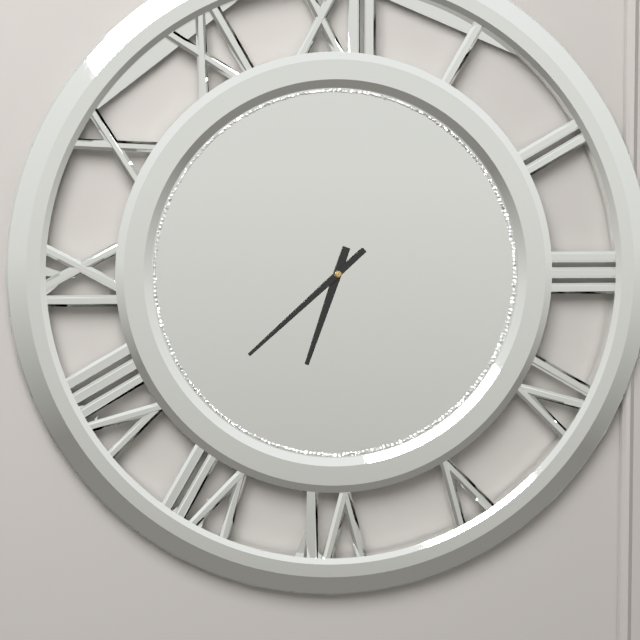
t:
6,38
